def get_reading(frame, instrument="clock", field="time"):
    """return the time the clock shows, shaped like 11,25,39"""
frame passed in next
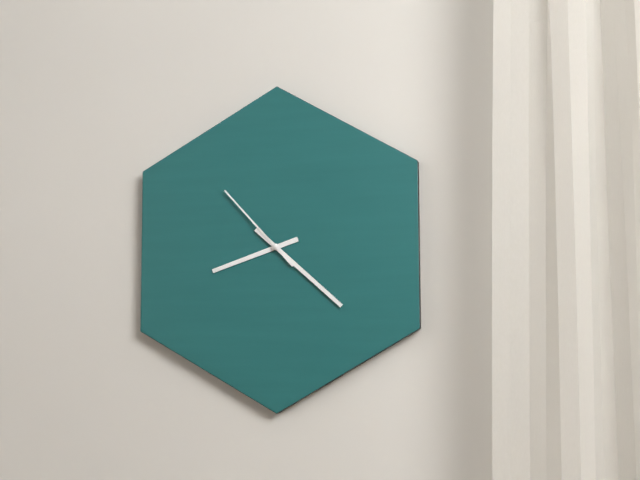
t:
8,22,53
